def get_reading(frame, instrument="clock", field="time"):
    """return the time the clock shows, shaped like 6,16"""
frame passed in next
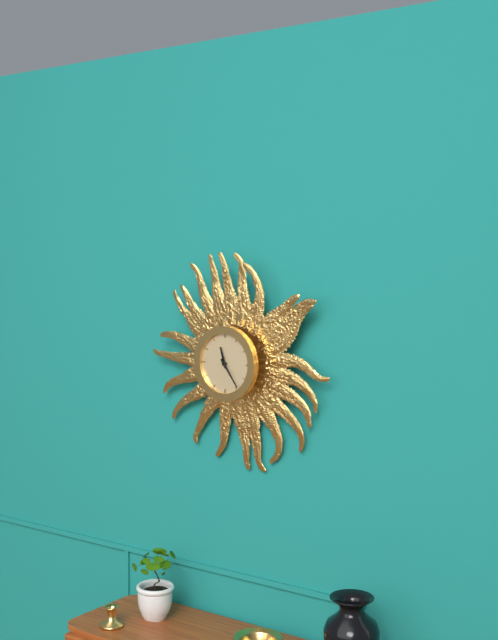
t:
11,24
